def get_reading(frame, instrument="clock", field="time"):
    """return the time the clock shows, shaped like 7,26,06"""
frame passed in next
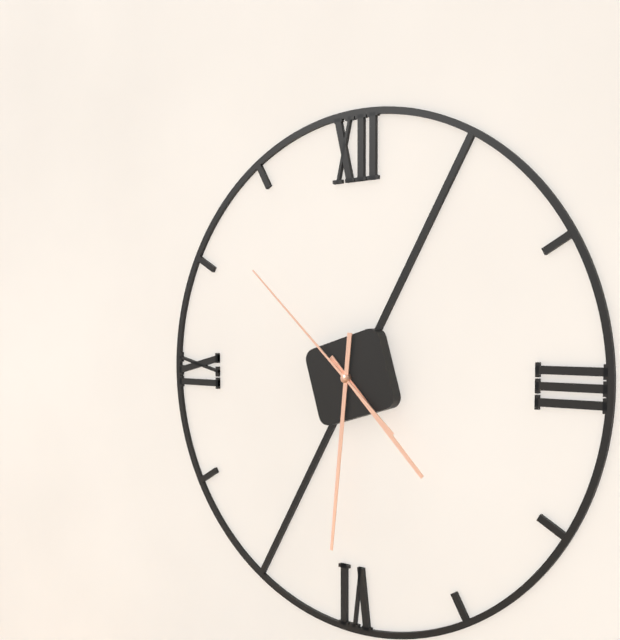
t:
4,31,52
